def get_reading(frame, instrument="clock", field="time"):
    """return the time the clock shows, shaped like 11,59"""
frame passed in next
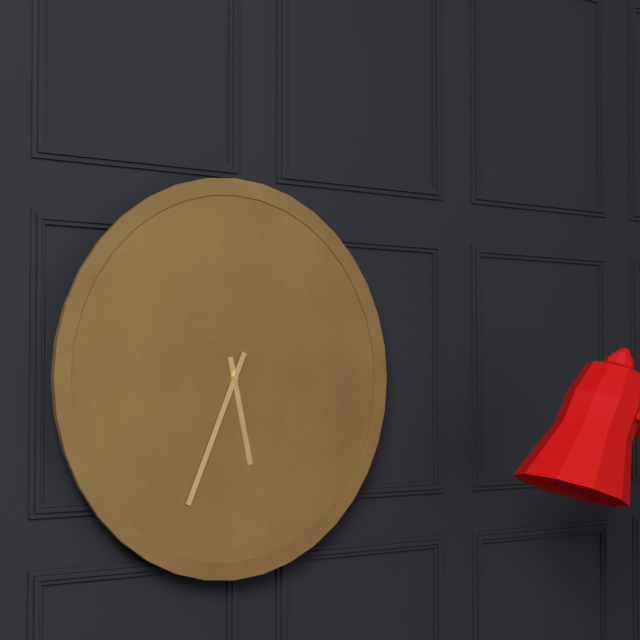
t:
5,34
